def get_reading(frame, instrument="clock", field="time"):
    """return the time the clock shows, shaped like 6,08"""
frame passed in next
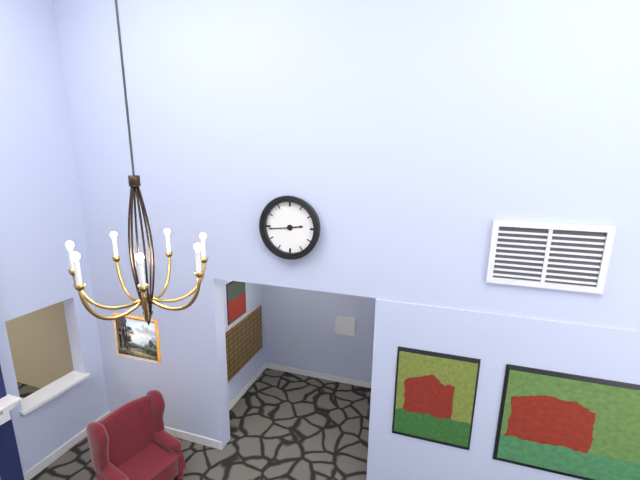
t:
2,44
